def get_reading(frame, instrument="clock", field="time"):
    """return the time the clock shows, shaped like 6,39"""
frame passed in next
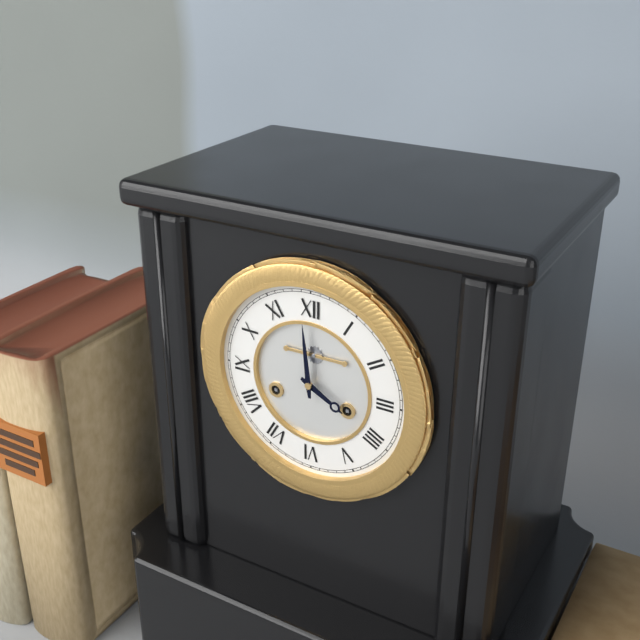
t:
3,59
